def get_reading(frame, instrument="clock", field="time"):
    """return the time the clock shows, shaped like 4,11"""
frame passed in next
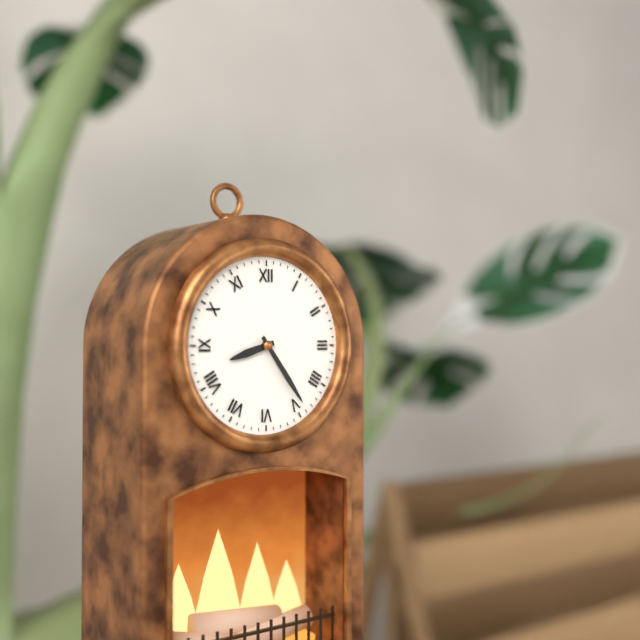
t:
8,24
